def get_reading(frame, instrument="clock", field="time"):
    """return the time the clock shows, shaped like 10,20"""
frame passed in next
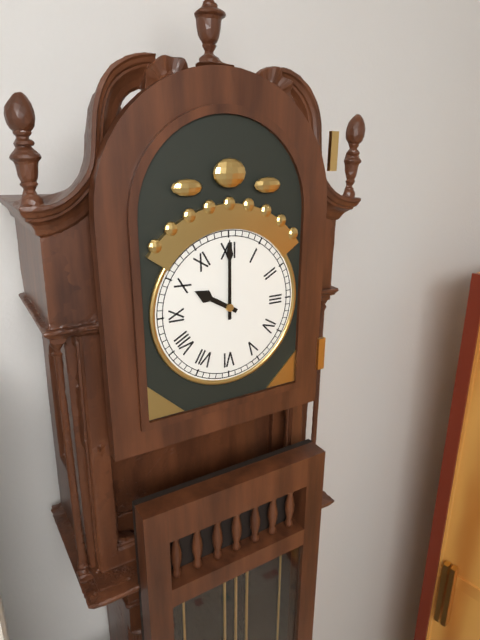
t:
10,00
